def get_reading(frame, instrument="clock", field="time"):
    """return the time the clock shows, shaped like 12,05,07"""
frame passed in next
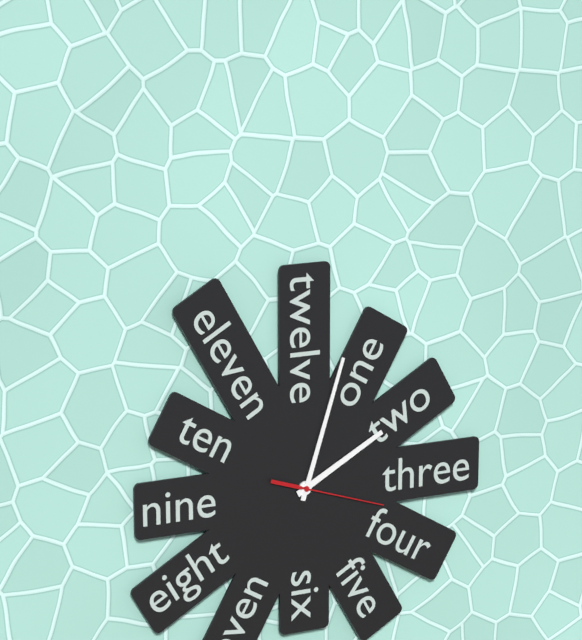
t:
2,03,18
